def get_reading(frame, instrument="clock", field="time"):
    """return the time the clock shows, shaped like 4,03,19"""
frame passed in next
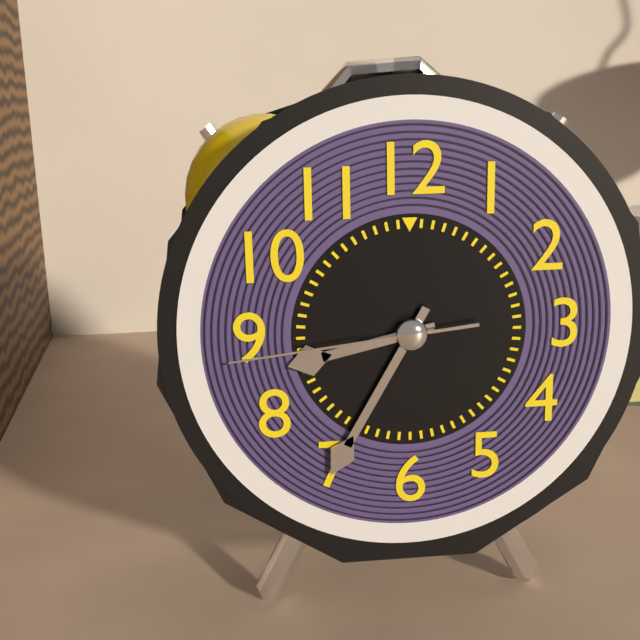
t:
8,35,44
